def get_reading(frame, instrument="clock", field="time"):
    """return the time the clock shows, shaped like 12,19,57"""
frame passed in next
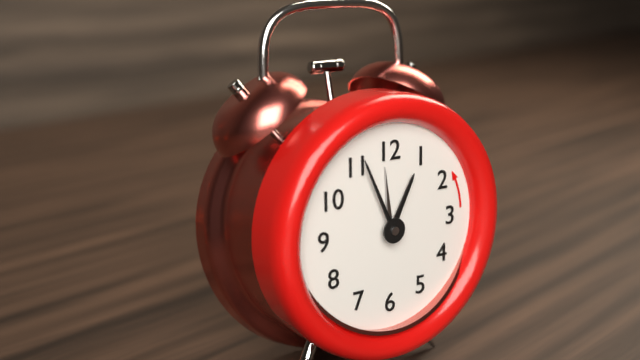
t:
12,56,59
